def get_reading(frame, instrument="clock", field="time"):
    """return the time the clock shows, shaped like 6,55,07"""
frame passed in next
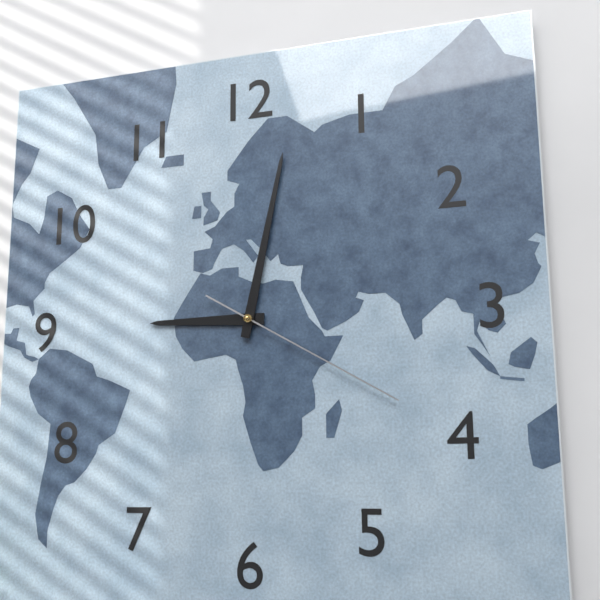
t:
9,02,20
